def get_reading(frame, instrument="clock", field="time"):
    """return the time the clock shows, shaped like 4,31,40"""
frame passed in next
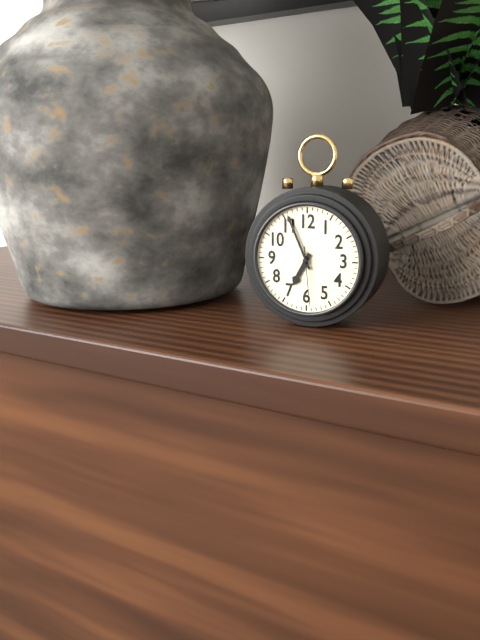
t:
6,56,29
